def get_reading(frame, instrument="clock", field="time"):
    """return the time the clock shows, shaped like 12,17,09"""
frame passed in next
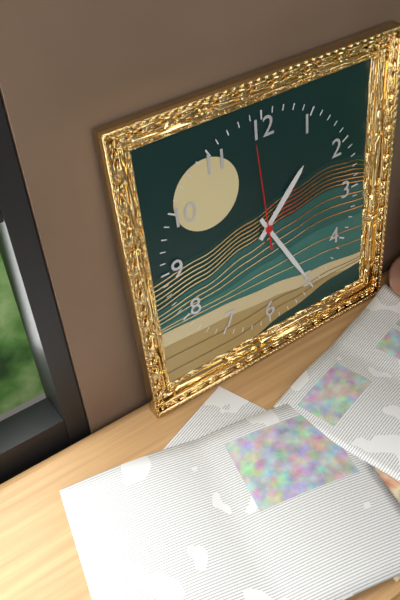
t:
1,25,59
